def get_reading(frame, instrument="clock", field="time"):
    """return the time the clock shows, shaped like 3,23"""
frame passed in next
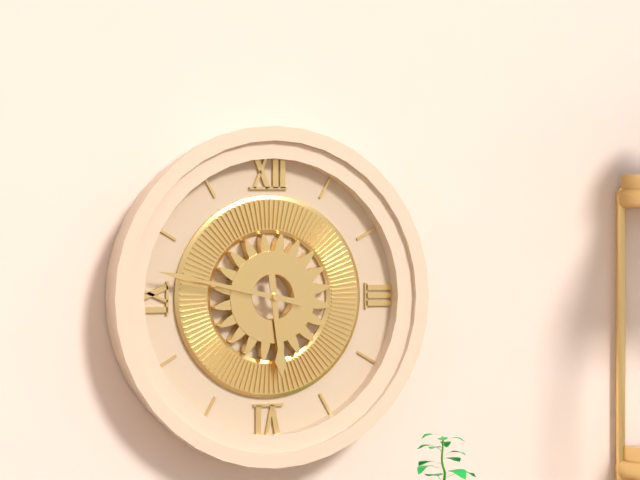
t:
5,47
